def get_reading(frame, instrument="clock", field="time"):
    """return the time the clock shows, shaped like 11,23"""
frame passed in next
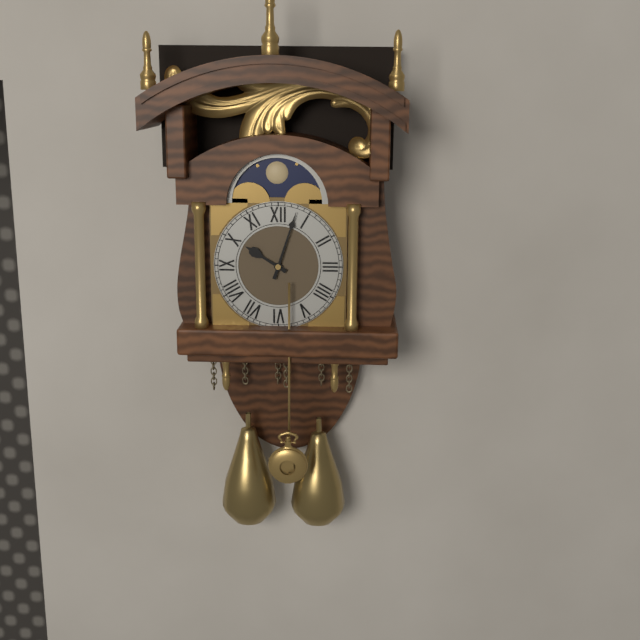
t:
10,03
